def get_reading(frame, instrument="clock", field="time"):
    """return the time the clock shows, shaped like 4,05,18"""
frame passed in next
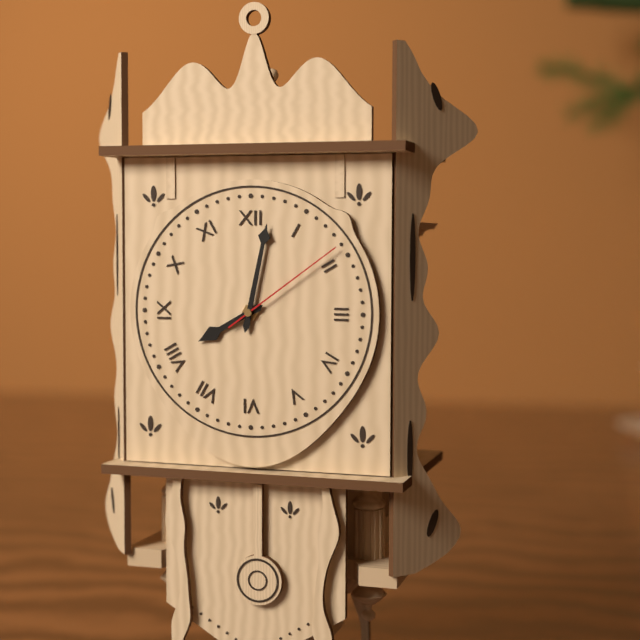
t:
8,02,09
